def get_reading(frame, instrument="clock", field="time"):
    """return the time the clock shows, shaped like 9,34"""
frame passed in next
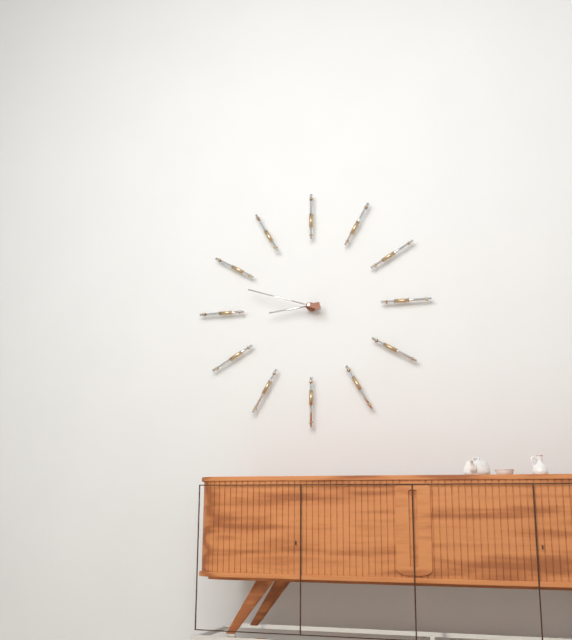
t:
8,48
